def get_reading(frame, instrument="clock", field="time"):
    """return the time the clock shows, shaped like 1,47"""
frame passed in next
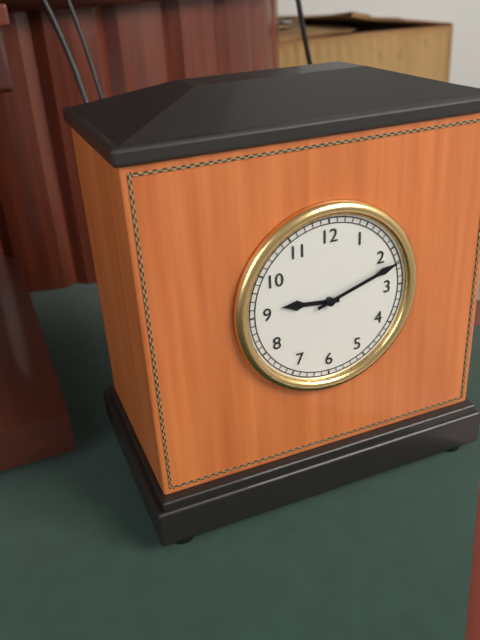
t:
9,12
